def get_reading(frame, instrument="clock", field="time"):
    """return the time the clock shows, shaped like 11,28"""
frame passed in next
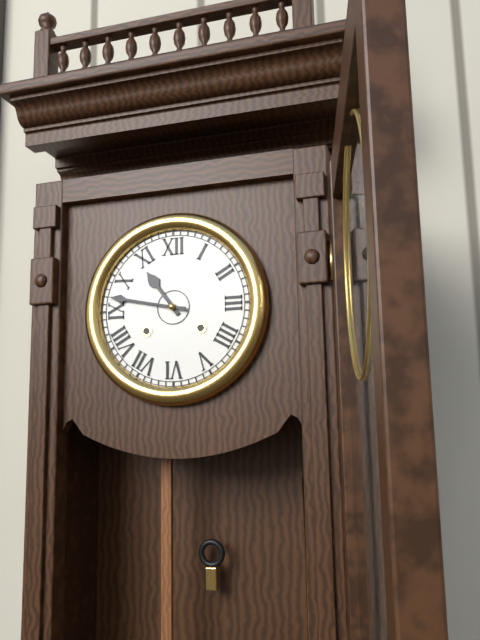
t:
10,47
